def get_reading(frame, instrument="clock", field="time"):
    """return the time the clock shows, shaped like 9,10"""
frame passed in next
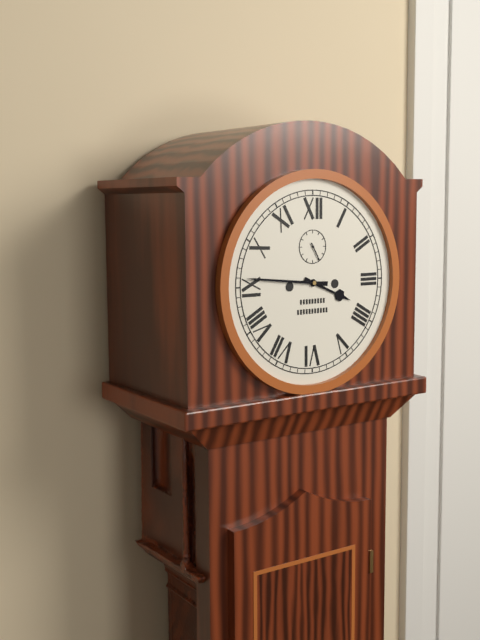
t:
3,46
